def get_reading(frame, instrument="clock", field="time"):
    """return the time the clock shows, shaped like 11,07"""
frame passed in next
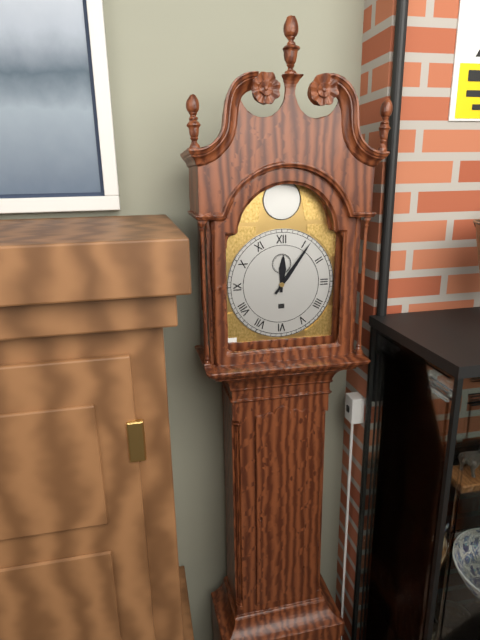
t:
12,06
